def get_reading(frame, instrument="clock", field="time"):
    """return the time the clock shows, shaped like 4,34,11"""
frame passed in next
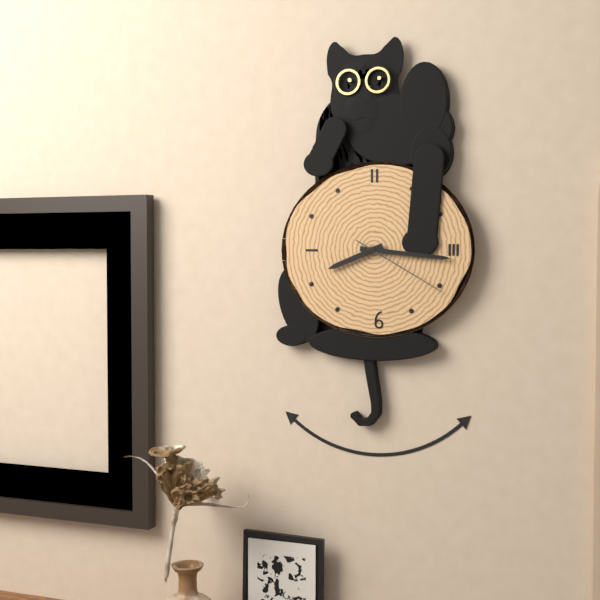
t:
8,16,20
